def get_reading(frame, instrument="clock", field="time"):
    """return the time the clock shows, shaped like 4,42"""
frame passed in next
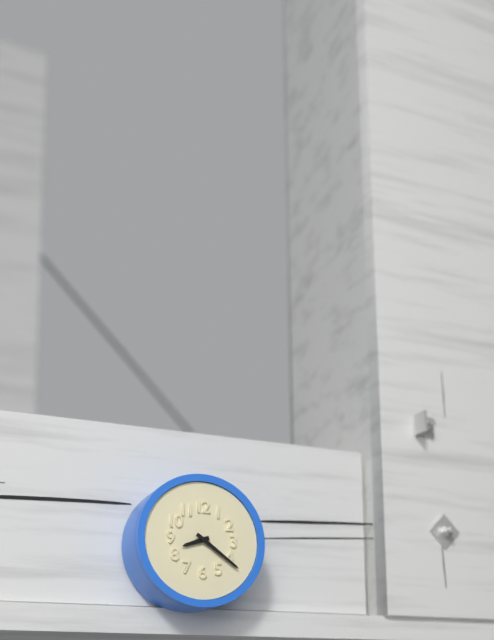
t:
8,21
